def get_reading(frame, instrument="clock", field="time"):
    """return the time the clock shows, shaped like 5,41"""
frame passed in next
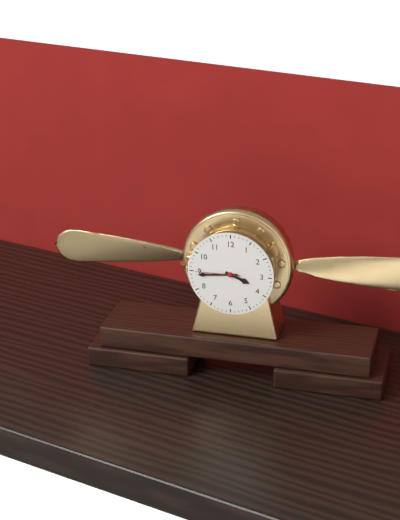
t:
3,44
